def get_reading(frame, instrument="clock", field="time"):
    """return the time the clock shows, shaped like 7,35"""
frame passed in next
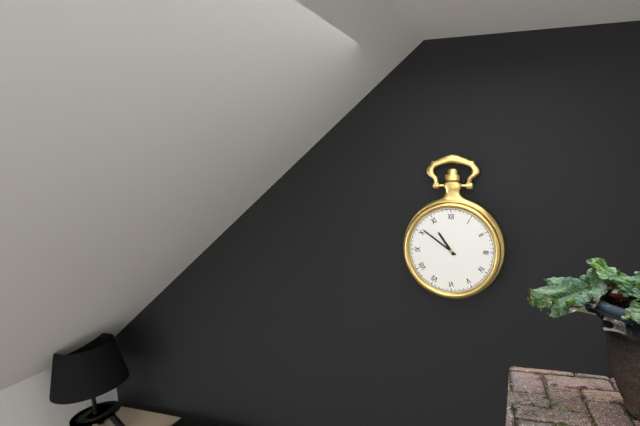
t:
10,51
